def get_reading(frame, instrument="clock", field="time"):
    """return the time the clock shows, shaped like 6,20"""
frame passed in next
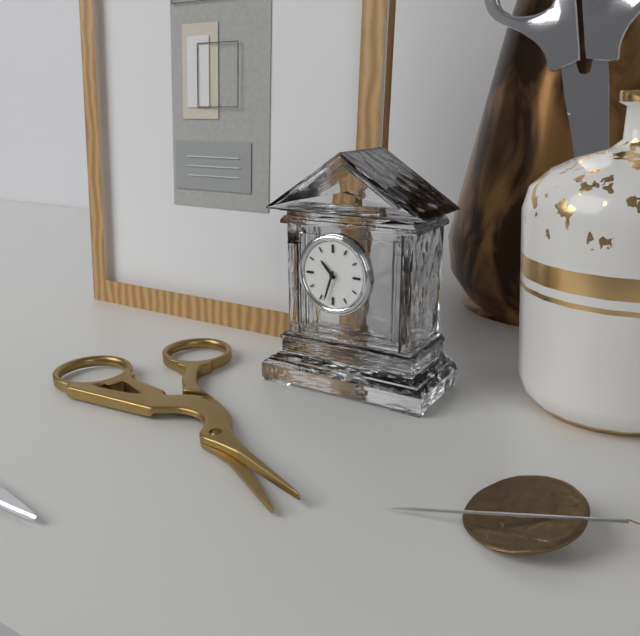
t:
10,33
